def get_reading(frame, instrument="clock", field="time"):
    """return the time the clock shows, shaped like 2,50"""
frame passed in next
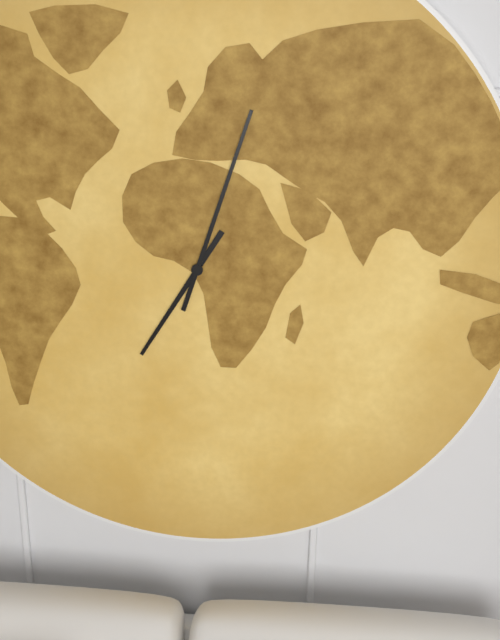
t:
7,03
